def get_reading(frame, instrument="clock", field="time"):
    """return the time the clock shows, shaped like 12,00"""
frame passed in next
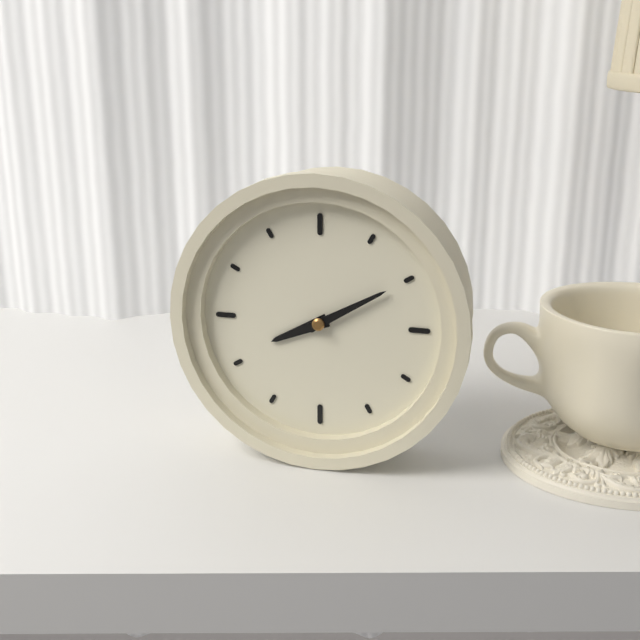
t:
8,10
